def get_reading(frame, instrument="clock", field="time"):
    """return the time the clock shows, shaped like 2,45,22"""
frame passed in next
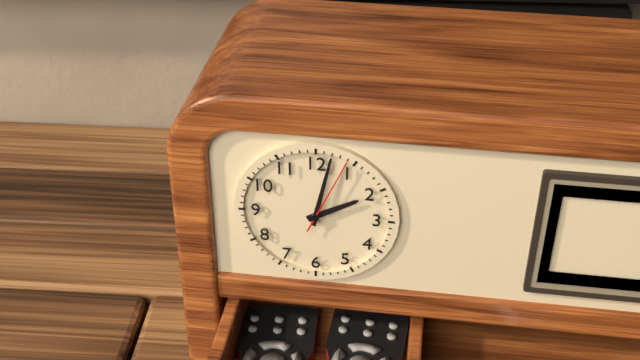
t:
2,02,04
